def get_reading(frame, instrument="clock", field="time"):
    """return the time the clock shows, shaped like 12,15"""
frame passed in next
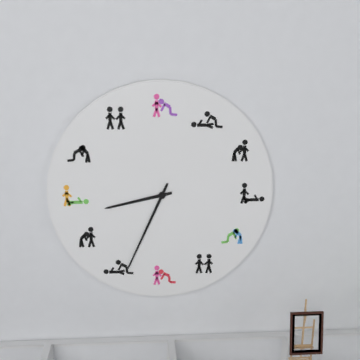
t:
8,34
